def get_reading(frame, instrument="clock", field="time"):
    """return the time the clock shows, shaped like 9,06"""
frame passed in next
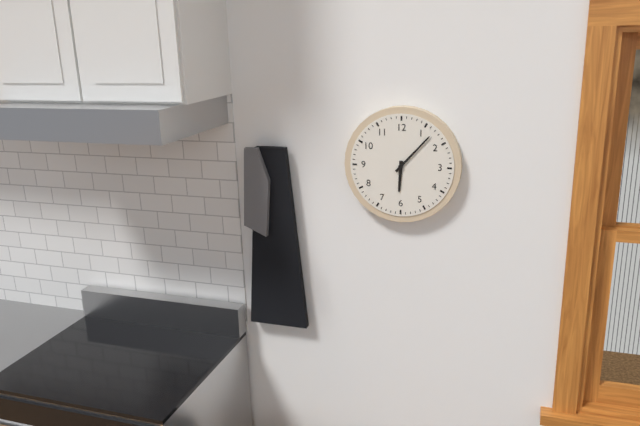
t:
6,07
